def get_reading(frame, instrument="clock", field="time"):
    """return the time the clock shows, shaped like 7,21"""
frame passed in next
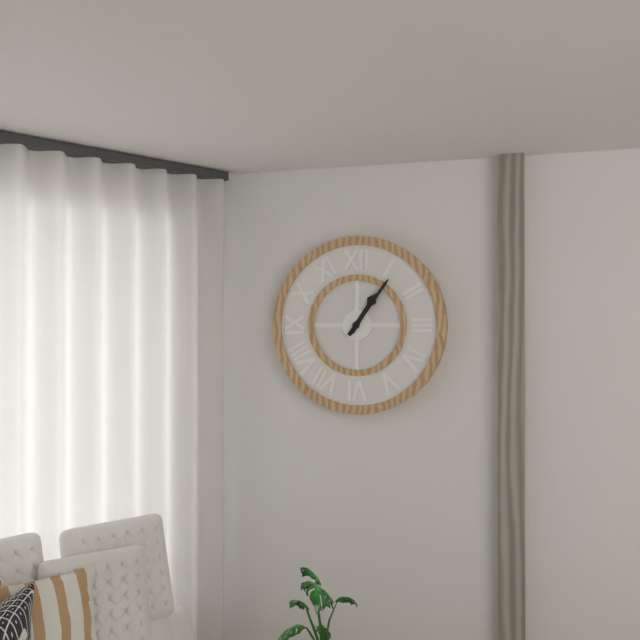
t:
1,06
